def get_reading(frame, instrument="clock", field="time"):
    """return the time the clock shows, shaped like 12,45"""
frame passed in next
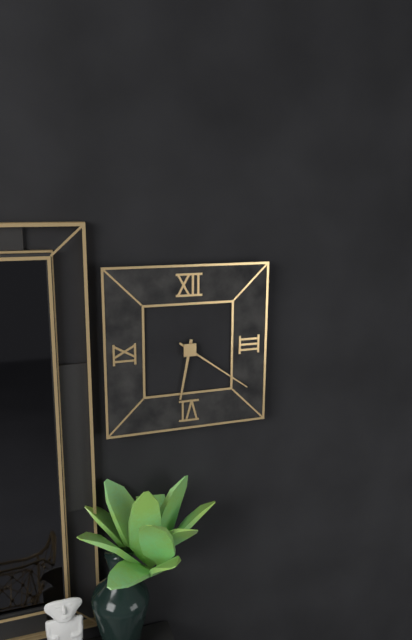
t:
6,21
